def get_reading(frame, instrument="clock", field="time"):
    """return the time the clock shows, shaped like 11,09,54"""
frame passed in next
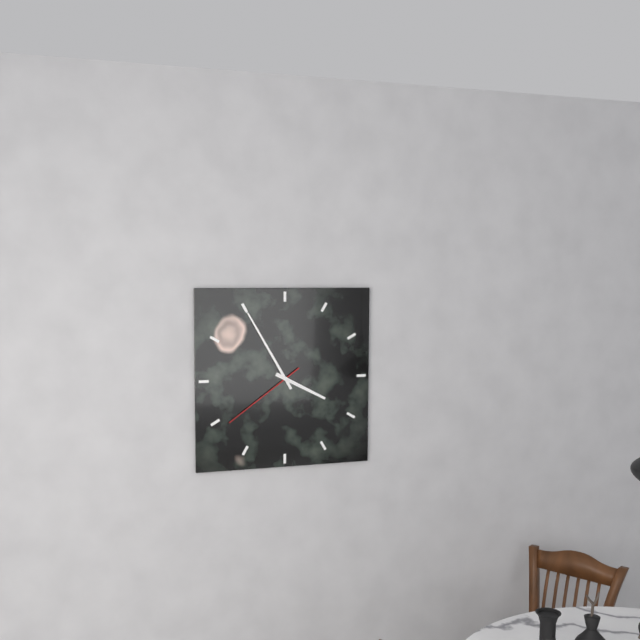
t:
3,55,39
